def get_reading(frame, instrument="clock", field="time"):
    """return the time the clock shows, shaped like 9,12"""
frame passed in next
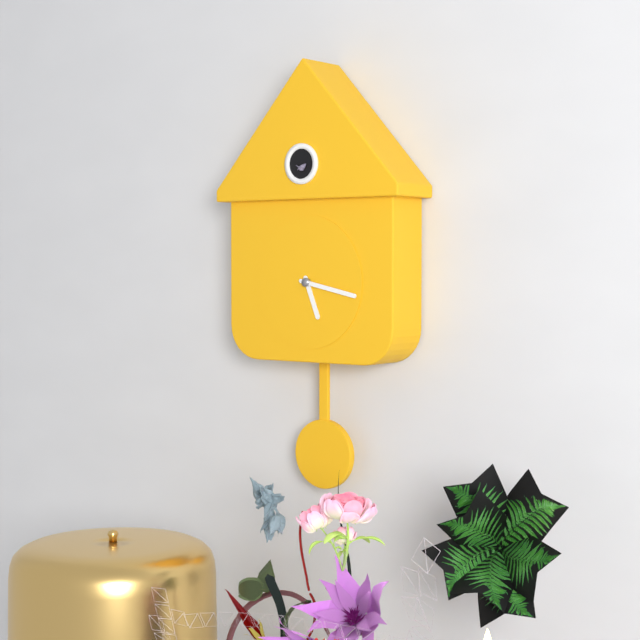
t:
5,17
